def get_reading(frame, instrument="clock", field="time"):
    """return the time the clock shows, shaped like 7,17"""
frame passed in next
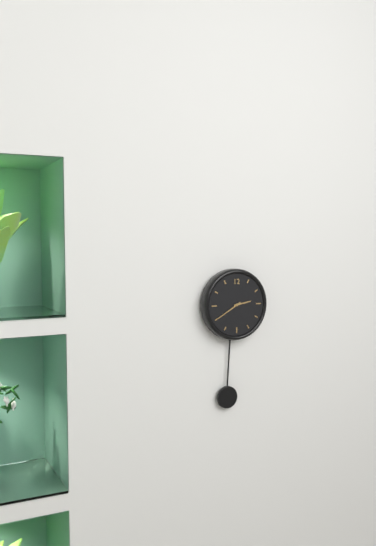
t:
2,40
